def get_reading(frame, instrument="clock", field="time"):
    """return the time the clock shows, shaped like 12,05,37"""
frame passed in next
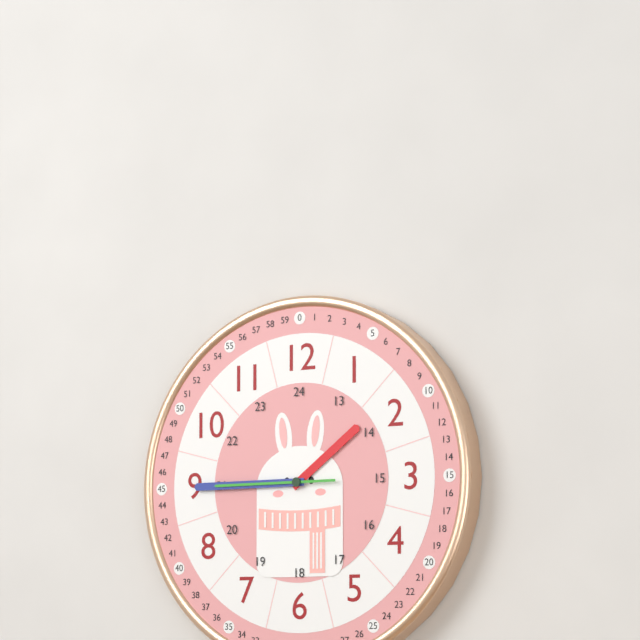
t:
1,45,45
